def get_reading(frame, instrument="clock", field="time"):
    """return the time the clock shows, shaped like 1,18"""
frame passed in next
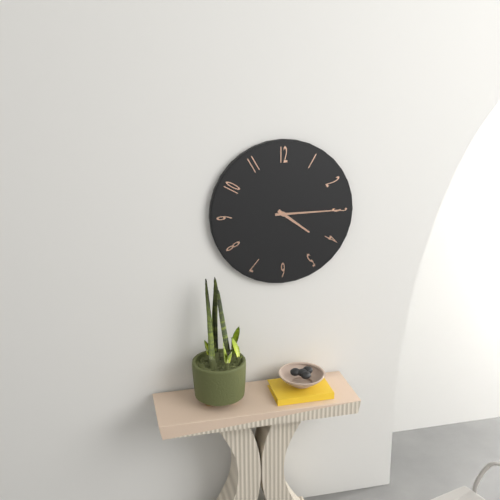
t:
4,15
